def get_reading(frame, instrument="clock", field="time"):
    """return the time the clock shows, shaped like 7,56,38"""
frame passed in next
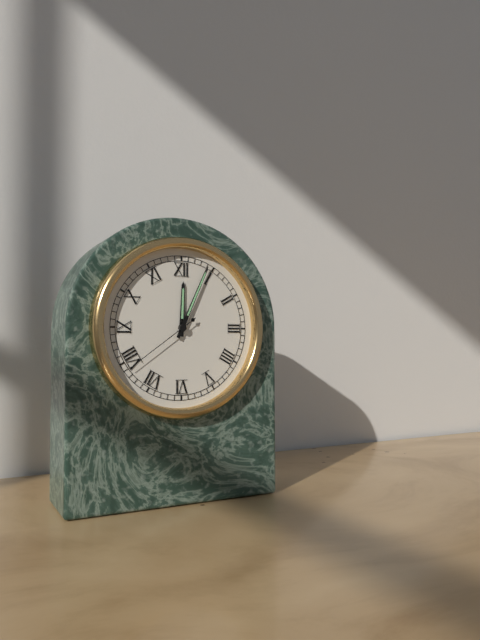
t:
12,04,39
